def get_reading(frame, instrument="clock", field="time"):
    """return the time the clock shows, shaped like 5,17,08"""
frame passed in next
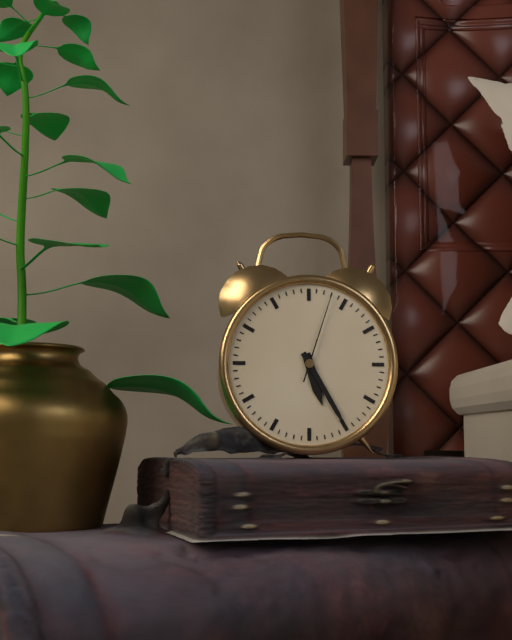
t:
5,25,03
